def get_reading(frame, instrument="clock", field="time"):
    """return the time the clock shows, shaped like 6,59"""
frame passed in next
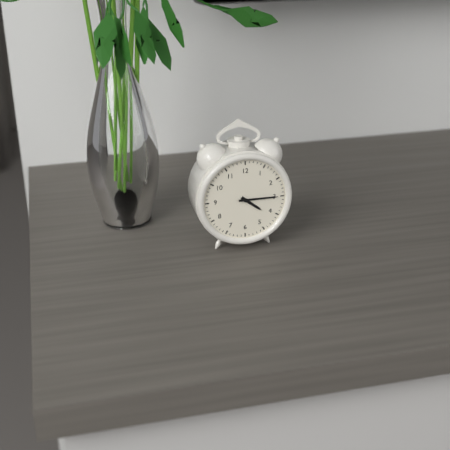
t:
4,15
